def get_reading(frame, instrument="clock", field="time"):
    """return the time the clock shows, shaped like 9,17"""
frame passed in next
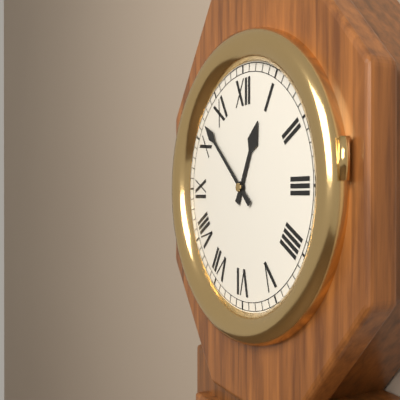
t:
12,52
